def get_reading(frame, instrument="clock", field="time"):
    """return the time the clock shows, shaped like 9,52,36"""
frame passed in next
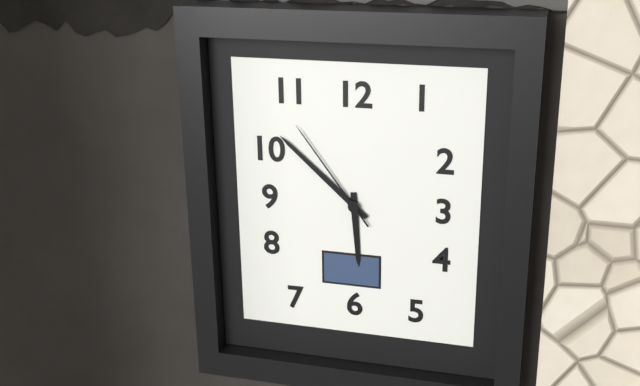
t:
5,52,54
